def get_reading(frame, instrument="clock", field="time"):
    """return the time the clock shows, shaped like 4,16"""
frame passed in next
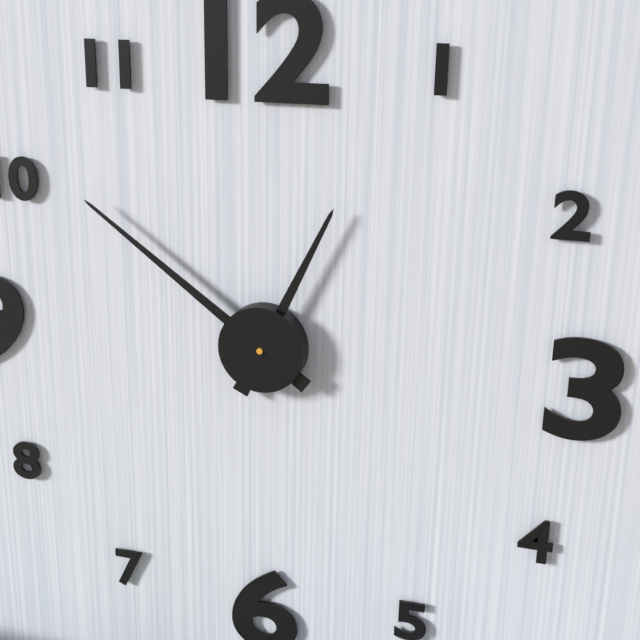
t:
12,51
